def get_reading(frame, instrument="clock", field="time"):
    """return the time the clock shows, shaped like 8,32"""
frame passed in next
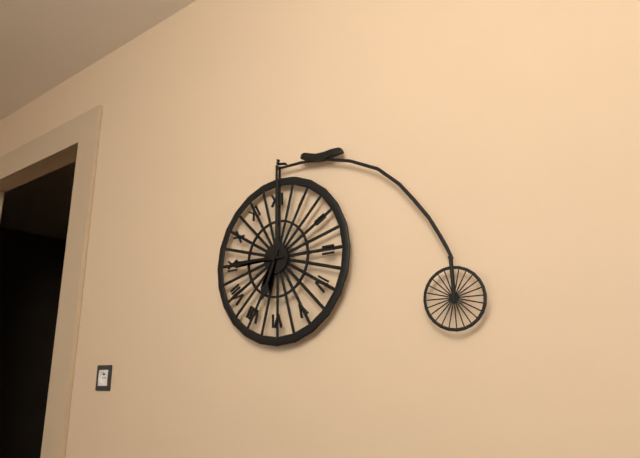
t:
6,45
